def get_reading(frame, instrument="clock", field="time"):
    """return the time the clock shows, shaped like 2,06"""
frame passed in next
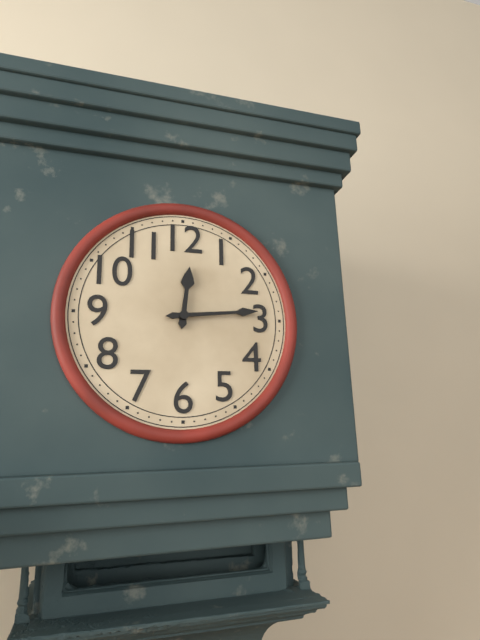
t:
12,14
